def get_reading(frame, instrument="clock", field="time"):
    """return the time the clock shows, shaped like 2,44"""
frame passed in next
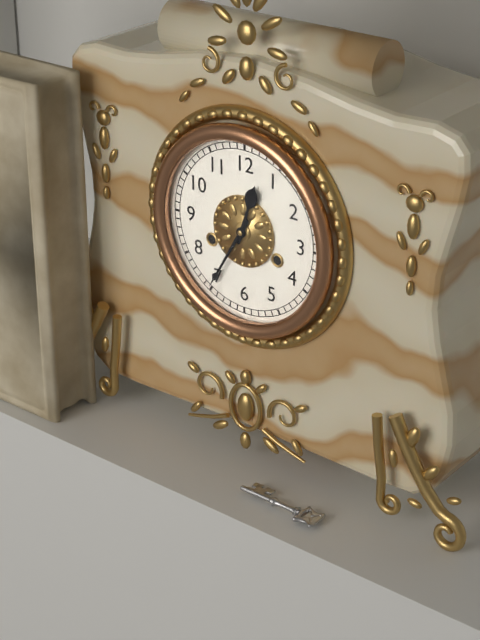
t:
12,35
